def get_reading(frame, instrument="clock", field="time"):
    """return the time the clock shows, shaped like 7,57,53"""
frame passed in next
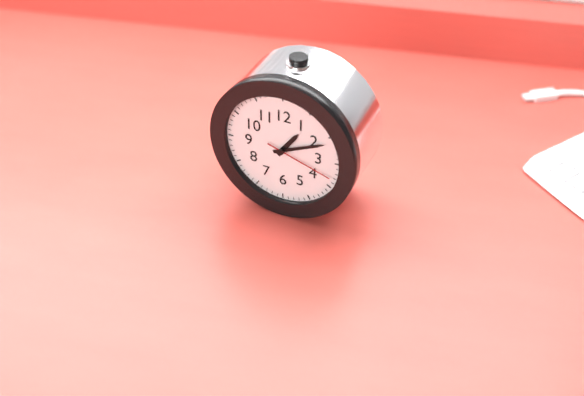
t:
1,11,18
